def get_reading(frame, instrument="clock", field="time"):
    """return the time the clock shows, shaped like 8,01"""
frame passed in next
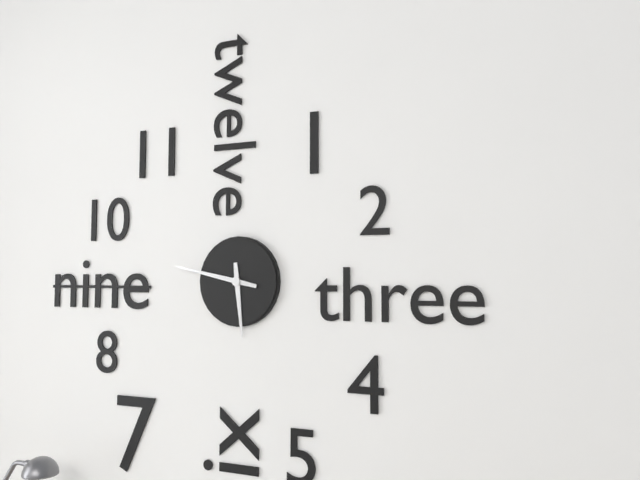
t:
5,47
